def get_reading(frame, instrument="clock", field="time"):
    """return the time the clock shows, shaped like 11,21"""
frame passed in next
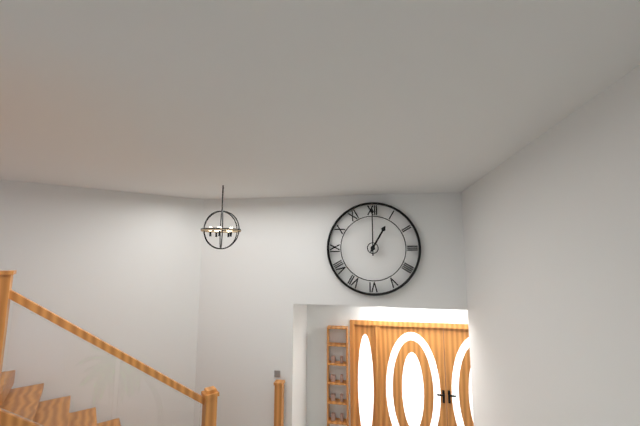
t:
1,00
